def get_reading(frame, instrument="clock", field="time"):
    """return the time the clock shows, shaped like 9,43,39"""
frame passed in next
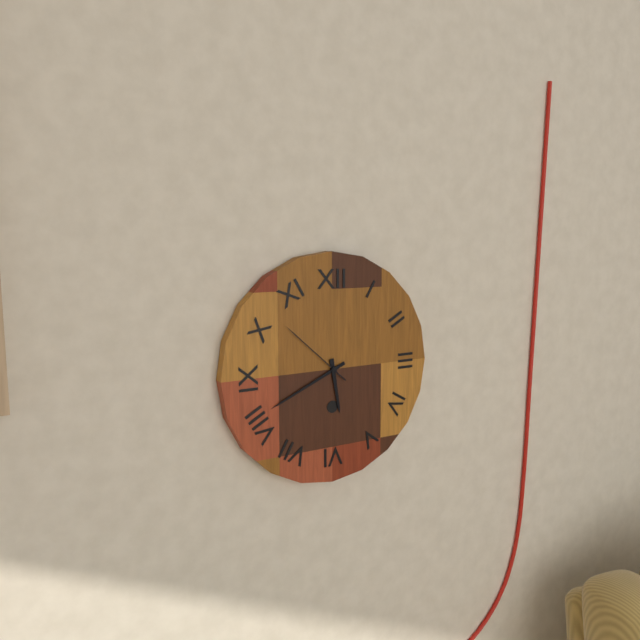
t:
5,41,52
